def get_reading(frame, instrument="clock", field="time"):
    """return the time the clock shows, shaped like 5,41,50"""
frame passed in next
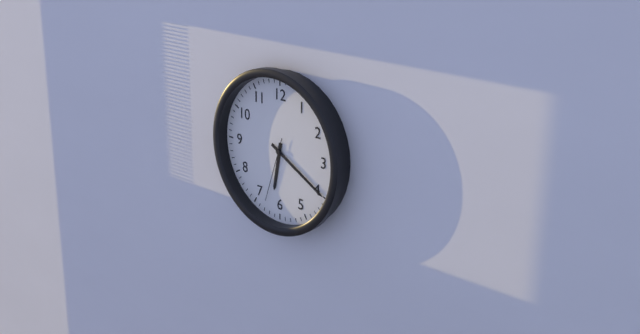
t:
6,20,33
